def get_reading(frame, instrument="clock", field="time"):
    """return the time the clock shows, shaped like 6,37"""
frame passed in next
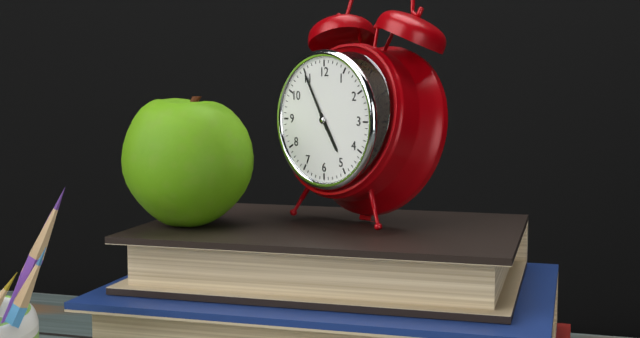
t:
4,55
